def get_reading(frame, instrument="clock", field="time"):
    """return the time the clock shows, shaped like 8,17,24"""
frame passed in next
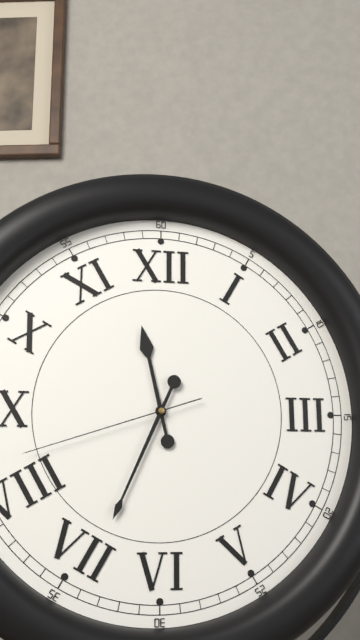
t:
11,34,42
